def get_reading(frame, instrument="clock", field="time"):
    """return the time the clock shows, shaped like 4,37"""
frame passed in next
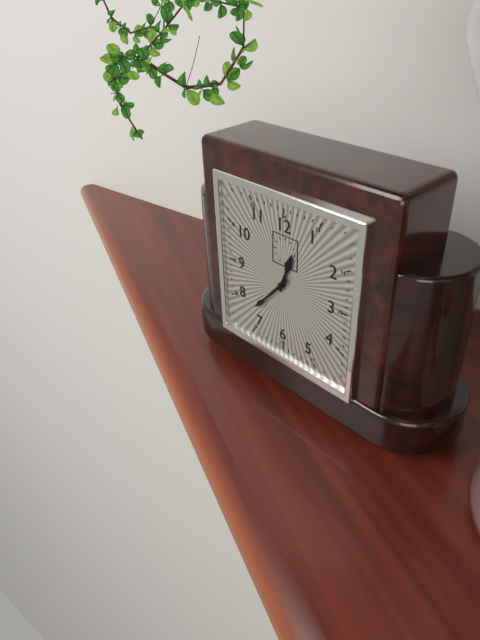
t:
12,37
